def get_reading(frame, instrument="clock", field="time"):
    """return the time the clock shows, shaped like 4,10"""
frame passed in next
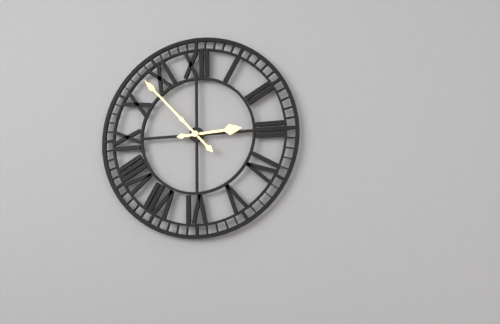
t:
2,53
